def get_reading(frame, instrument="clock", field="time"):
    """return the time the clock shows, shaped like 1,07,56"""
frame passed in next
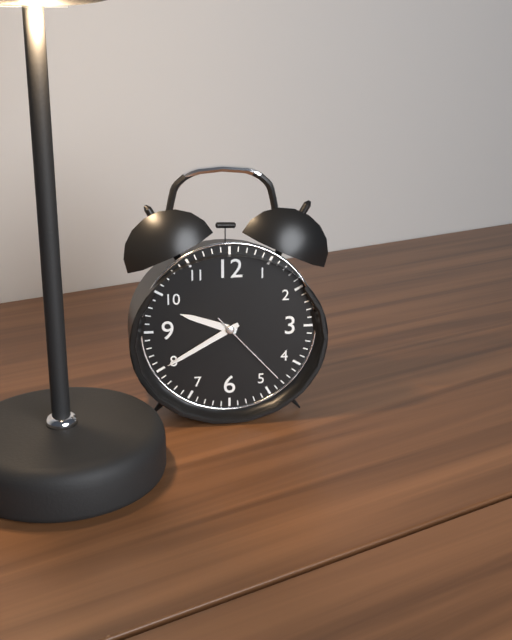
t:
9,40,23
